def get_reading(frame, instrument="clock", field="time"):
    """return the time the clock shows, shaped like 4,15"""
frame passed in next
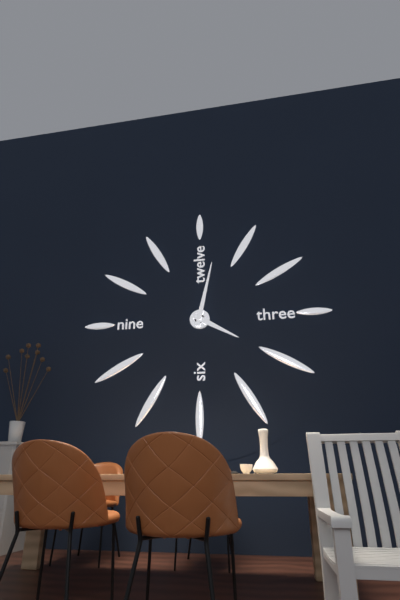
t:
4,02
